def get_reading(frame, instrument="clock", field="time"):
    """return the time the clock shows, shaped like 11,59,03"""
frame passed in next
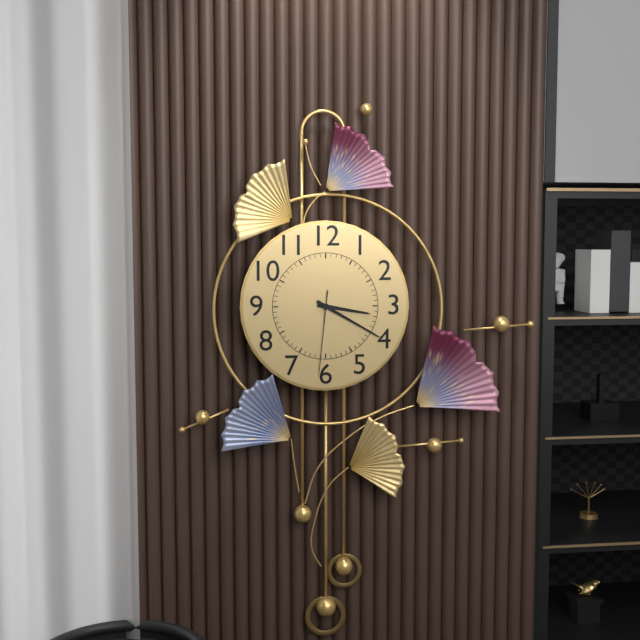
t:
3,20,31
